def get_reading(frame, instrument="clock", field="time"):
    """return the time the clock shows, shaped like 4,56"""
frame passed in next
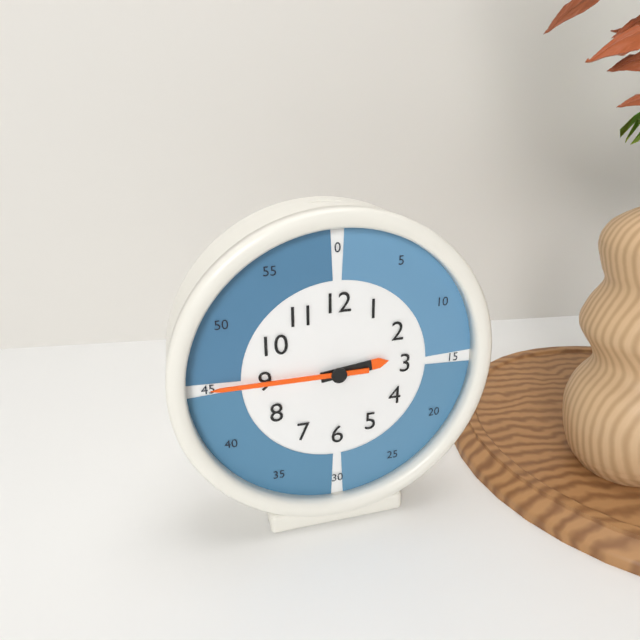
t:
2,45
